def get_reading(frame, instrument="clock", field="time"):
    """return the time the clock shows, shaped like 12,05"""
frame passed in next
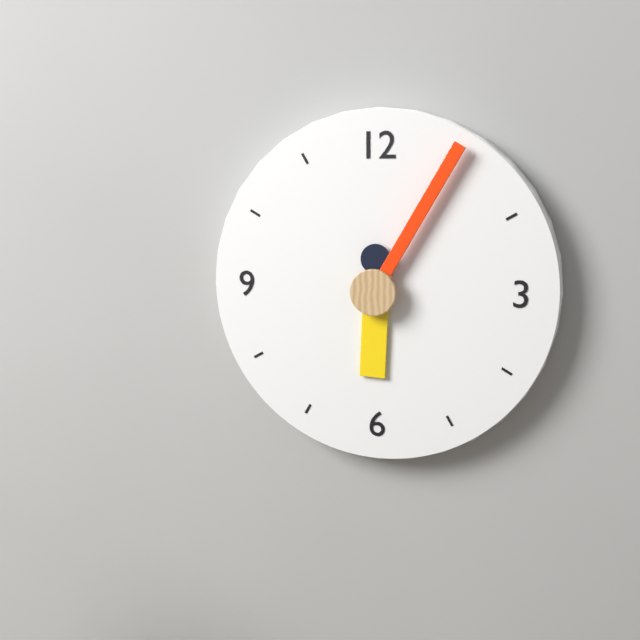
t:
6,05
